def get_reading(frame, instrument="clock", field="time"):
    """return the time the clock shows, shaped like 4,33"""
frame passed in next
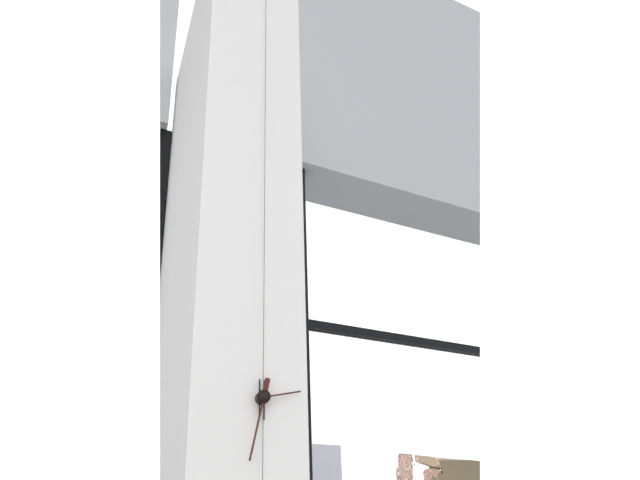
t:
2,32
